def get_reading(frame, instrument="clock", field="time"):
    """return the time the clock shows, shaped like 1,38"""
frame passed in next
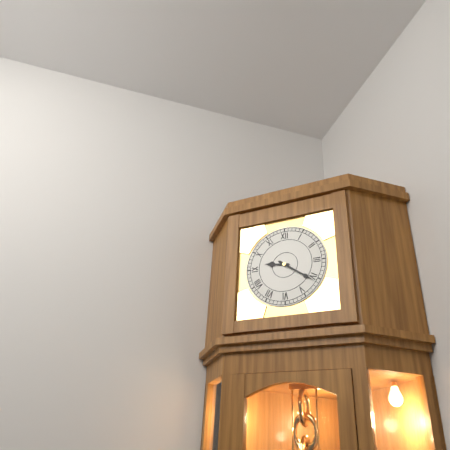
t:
9,21
